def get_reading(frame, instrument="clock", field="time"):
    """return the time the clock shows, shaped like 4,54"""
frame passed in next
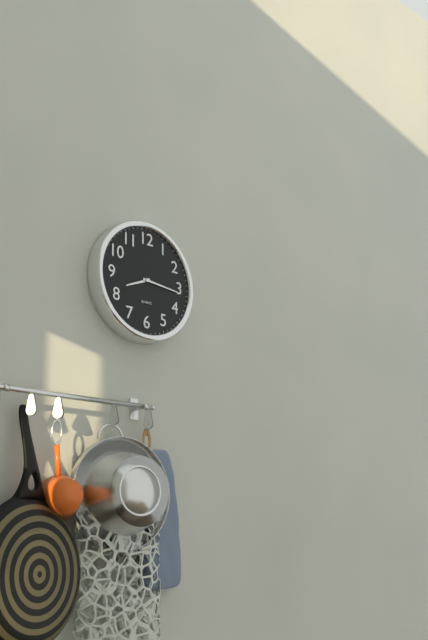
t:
8,16
